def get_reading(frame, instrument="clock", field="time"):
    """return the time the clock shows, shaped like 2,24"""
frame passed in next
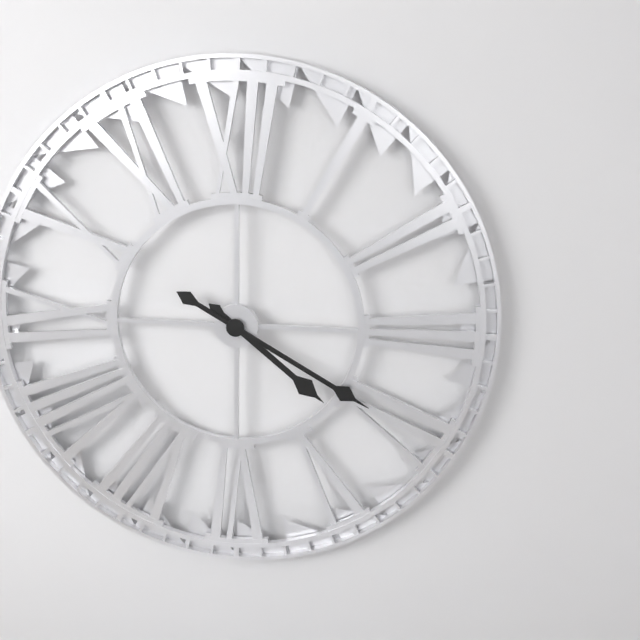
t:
4,20
